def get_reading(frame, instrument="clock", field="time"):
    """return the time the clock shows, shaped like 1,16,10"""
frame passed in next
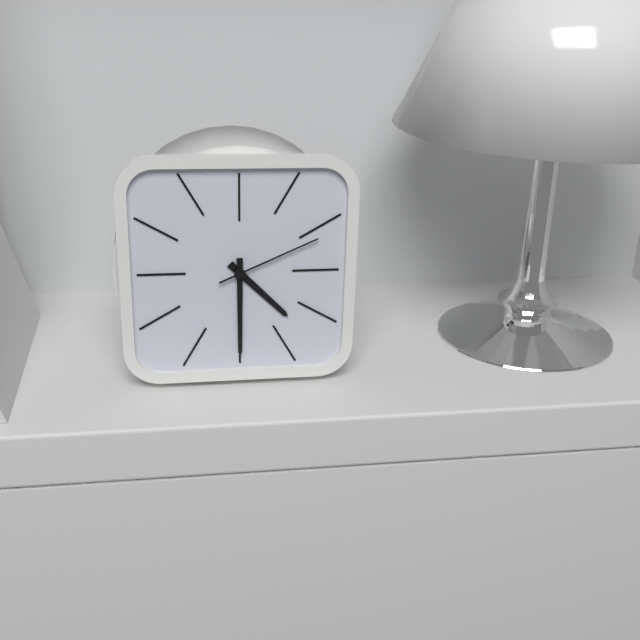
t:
4,30,11
